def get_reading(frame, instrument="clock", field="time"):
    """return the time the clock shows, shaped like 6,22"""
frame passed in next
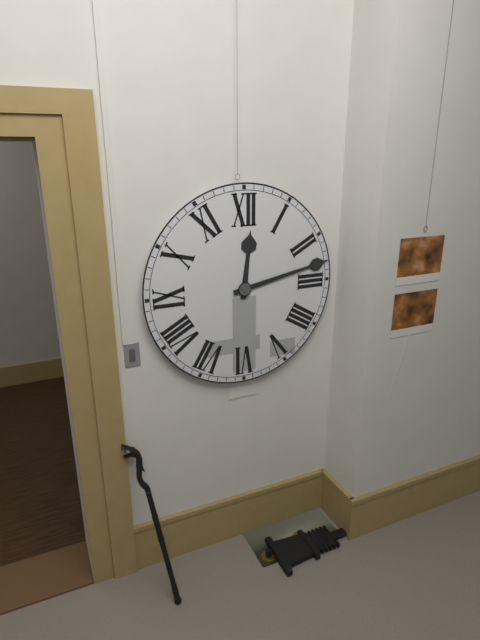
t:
12,13
